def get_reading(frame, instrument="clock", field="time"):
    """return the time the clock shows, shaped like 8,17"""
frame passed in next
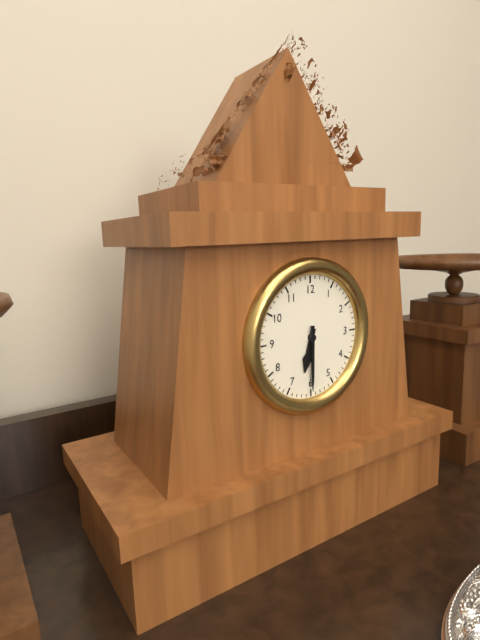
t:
6,30
